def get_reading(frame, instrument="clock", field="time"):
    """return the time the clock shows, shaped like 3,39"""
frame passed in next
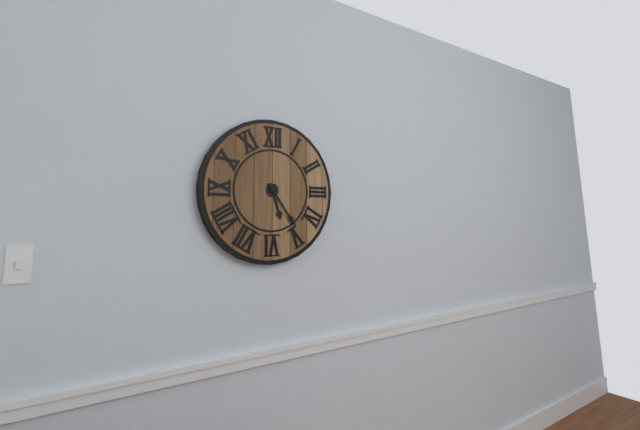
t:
5,24
